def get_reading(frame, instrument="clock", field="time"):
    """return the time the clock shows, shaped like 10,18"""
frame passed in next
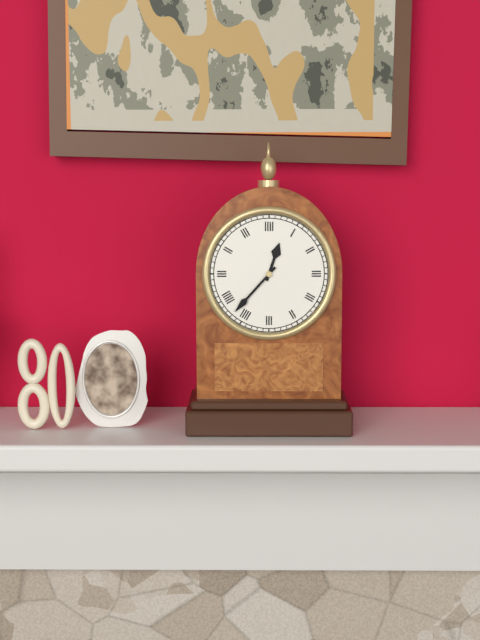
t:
12,37
